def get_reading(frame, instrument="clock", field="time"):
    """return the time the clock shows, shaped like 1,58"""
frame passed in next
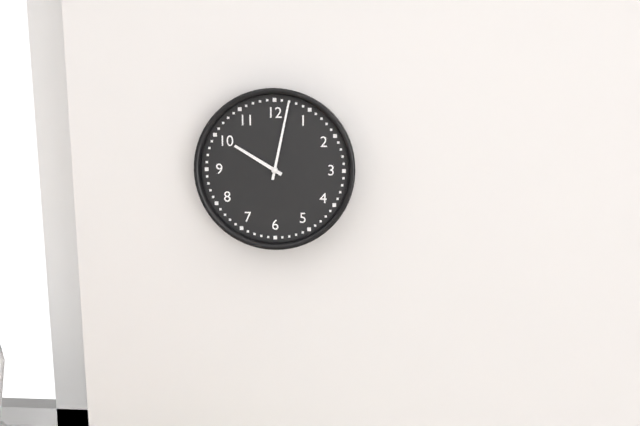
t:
10,02
